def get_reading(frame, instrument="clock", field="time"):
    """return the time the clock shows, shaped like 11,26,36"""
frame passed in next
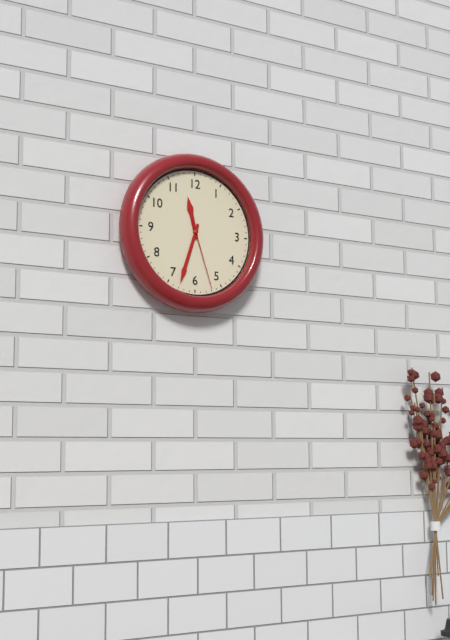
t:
11,33,27
